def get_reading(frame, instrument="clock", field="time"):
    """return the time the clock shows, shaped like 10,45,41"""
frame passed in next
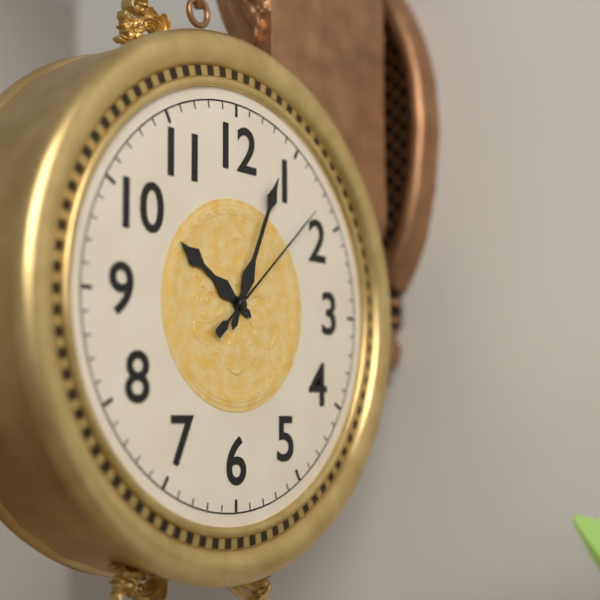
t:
10,04,08
